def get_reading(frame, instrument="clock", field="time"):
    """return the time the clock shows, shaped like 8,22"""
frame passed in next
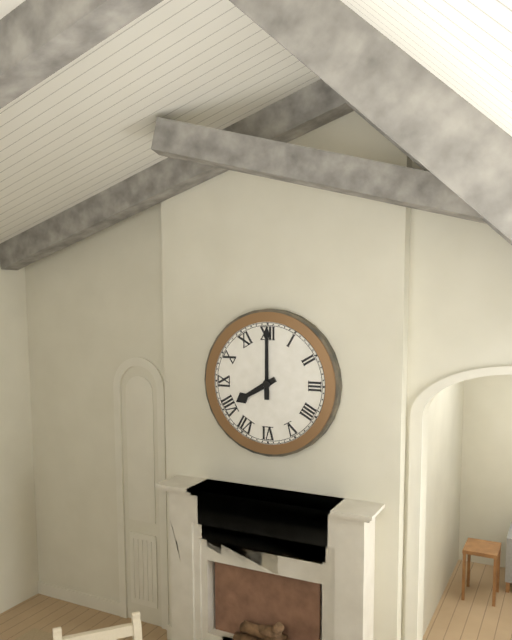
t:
8,00
